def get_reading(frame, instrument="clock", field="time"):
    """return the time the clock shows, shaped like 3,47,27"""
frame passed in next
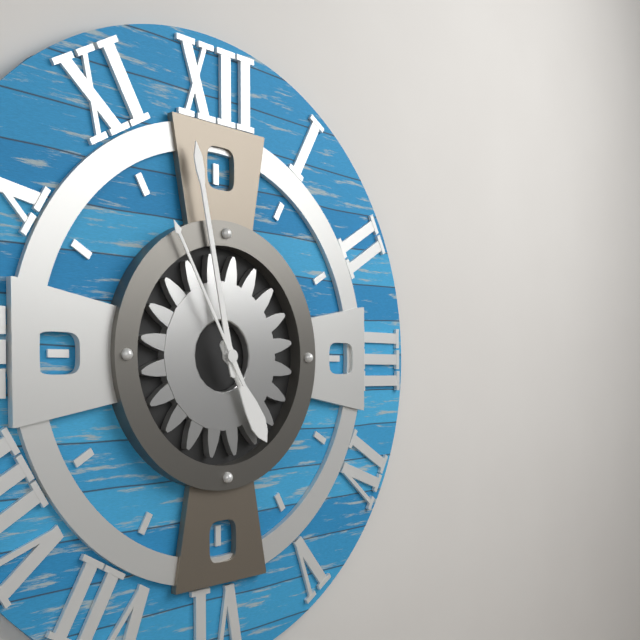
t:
4,58,55
